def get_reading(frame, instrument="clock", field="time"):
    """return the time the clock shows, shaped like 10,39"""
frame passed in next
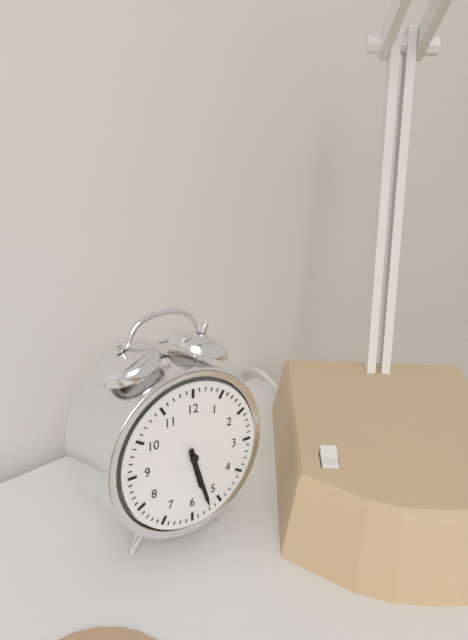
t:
5,27
